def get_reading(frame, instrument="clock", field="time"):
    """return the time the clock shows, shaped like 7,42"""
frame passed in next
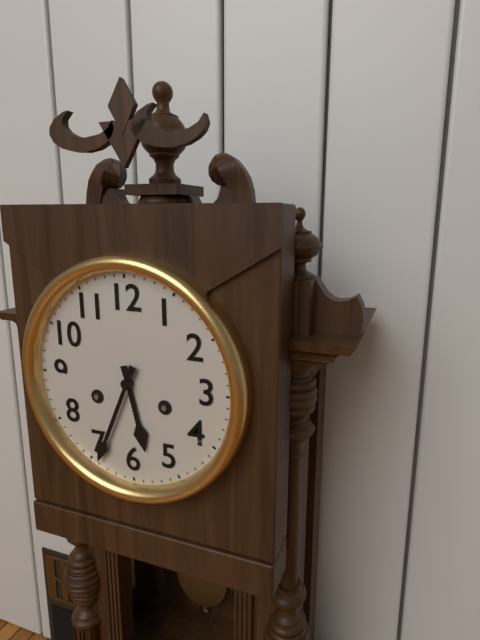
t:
5,34
